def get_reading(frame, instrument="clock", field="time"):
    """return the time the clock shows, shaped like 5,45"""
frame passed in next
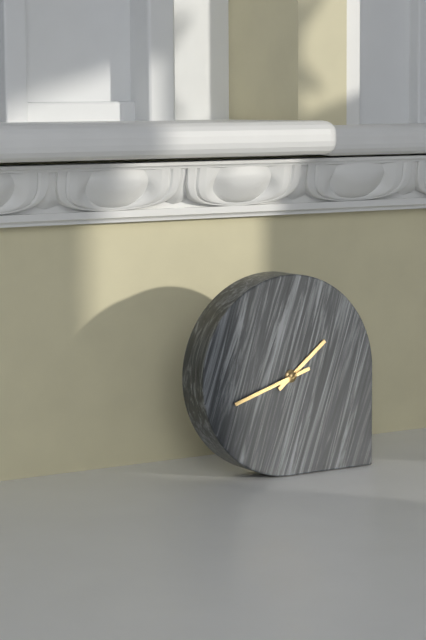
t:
1,42
